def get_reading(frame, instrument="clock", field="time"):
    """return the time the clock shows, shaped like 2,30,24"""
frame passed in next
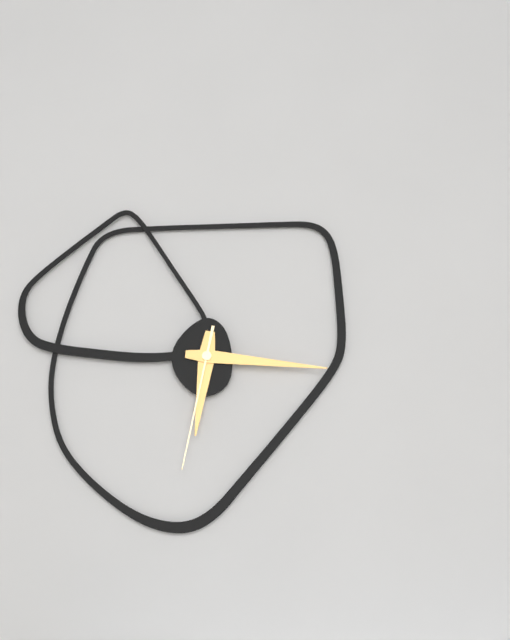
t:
6,16,32
